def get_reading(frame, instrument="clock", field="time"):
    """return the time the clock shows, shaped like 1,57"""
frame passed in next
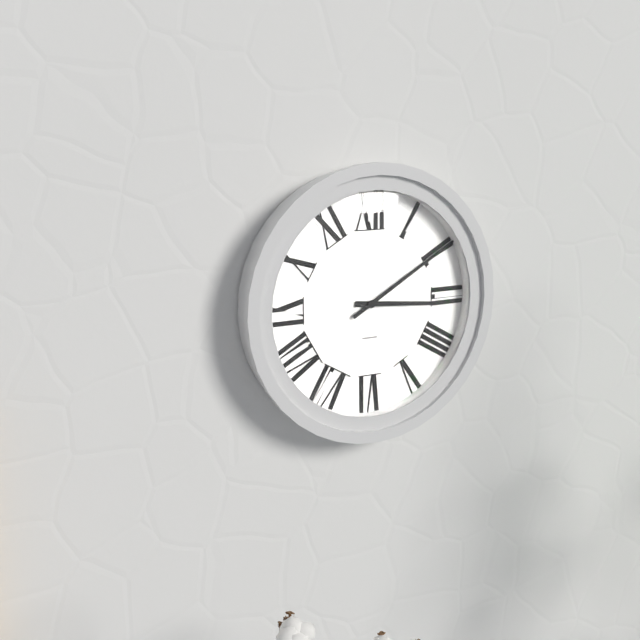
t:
3,10
